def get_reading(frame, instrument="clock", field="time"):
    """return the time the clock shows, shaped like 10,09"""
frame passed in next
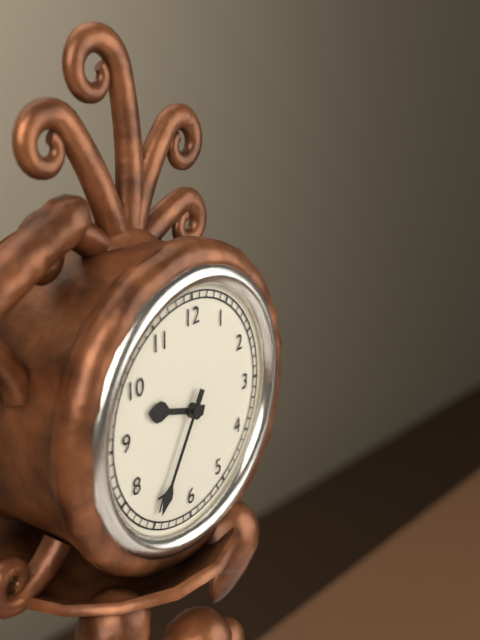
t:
9,35
